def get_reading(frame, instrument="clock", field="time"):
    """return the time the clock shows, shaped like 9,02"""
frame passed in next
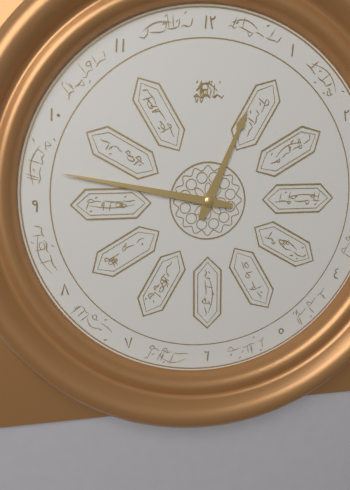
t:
12,47
